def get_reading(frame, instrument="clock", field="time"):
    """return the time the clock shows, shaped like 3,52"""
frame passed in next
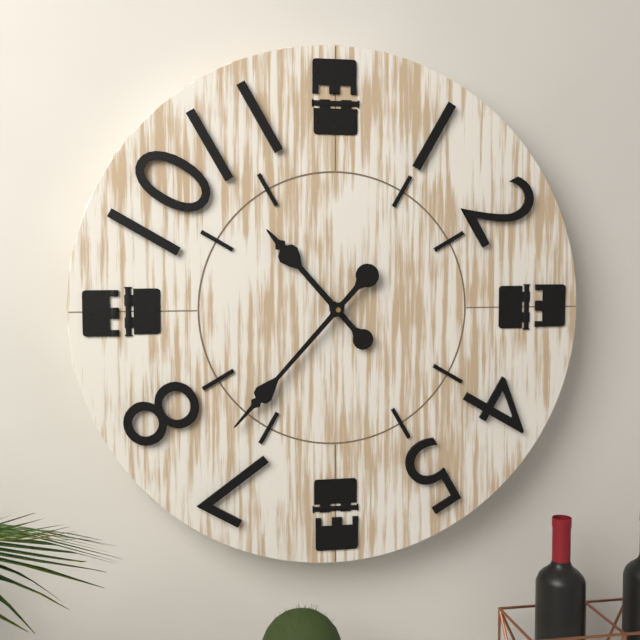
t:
10,37
